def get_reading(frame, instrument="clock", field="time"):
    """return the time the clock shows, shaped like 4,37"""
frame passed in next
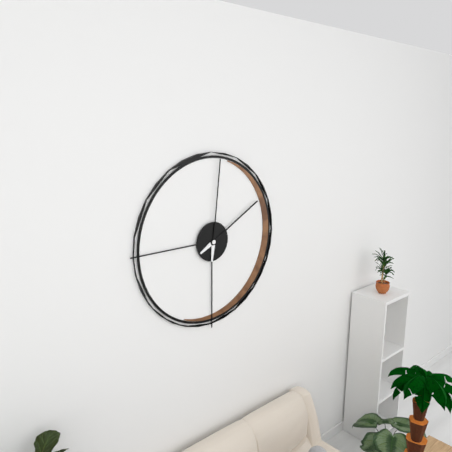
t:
2,01
